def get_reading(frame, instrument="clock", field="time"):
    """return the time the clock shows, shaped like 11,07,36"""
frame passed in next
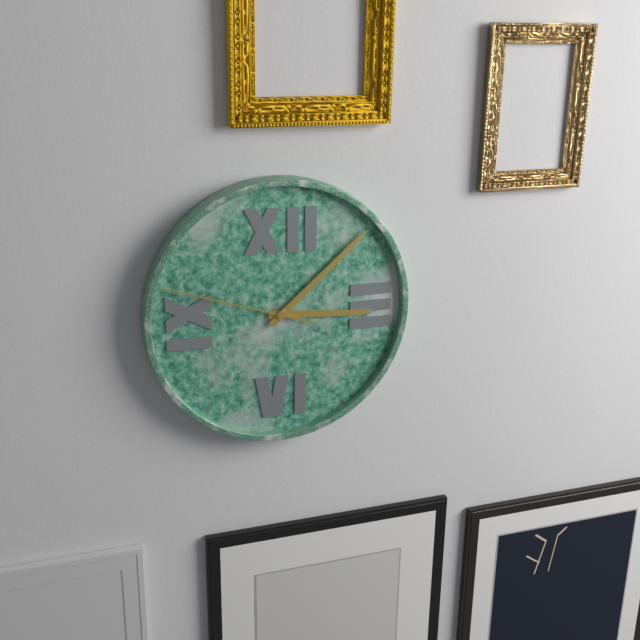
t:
3,08,48
